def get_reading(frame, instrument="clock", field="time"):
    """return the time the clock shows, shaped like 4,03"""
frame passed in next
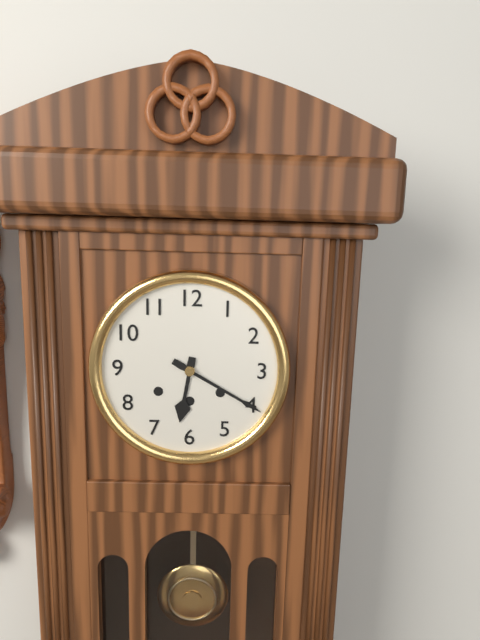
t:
6,20
